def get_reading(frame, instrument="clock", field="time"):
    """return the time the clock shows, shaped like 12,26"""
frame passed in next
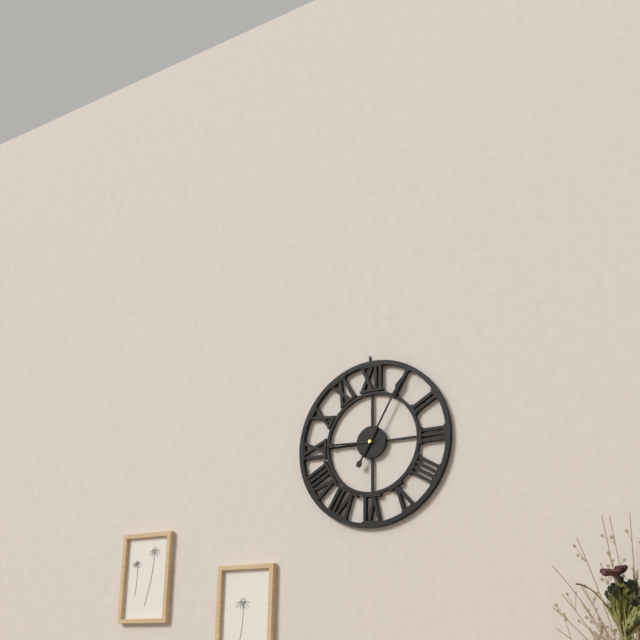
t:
9,05
